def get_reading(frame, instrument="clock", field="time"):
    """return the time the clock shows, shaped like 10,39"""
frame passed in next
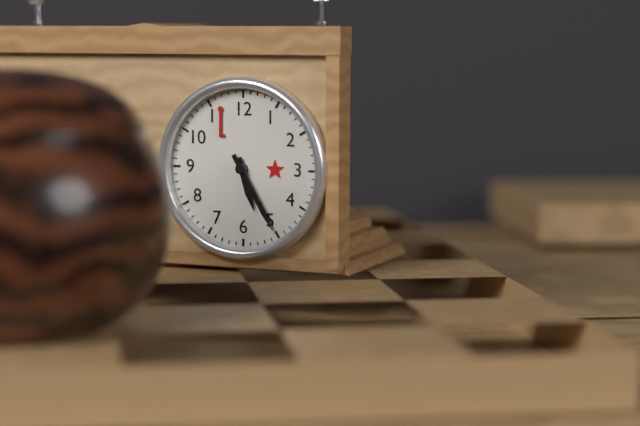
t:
5,25
